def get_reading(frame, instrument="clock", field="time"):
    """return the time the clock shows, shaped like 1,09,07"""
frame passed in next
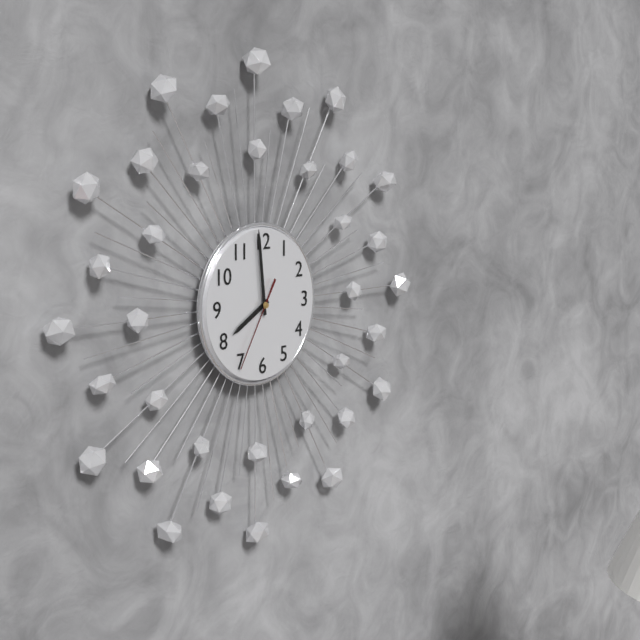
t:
7,59,35
